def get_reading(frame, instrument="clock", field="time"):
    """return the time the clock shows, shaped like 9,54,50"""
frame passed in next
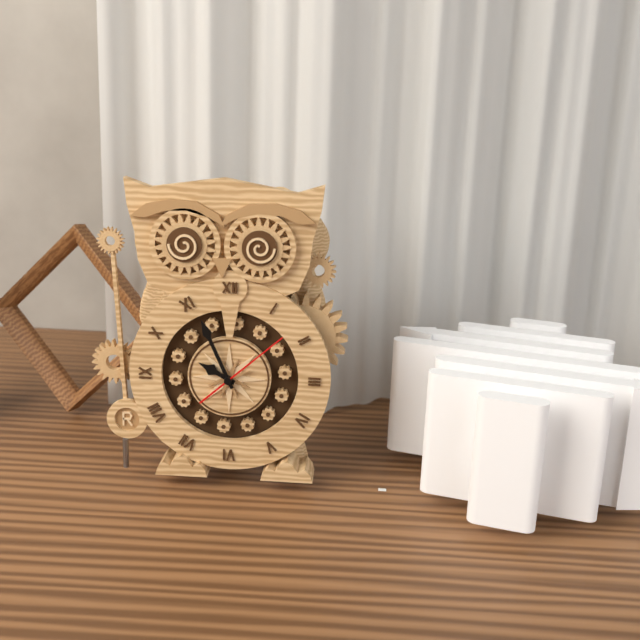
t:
9,56,08
